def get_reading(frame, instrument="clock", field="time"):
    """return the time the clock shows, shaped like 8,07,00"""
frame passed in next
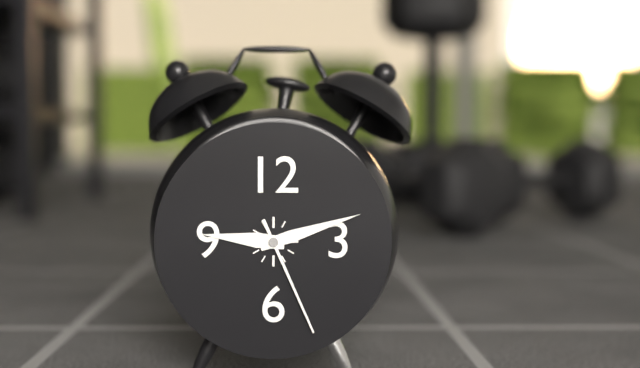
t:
9,12,26
